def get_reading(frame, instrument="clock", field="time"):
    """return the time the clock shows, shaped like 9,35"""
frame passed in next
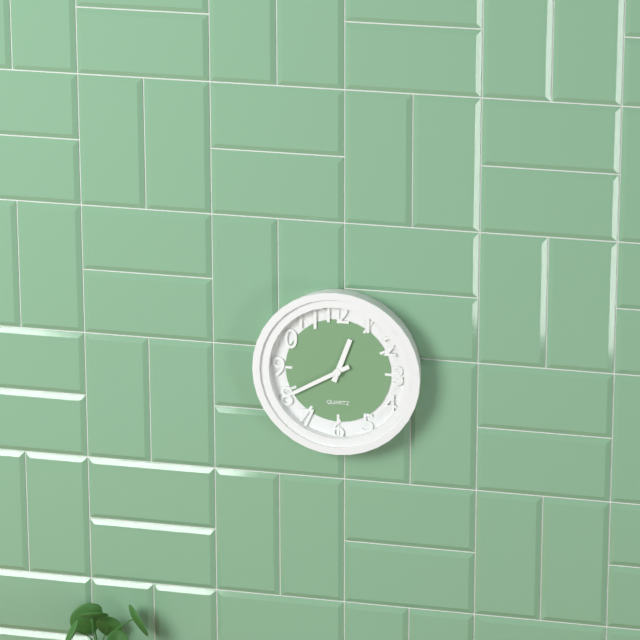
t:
12,40
